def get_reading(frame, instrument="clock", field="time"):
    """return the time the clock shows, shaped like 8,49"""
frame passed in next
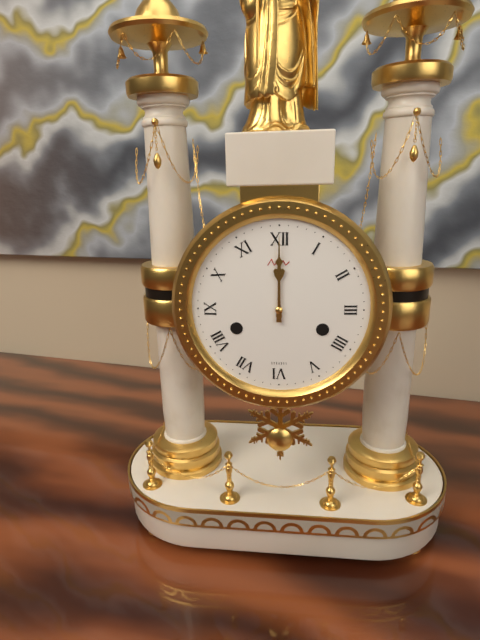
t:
12,00
